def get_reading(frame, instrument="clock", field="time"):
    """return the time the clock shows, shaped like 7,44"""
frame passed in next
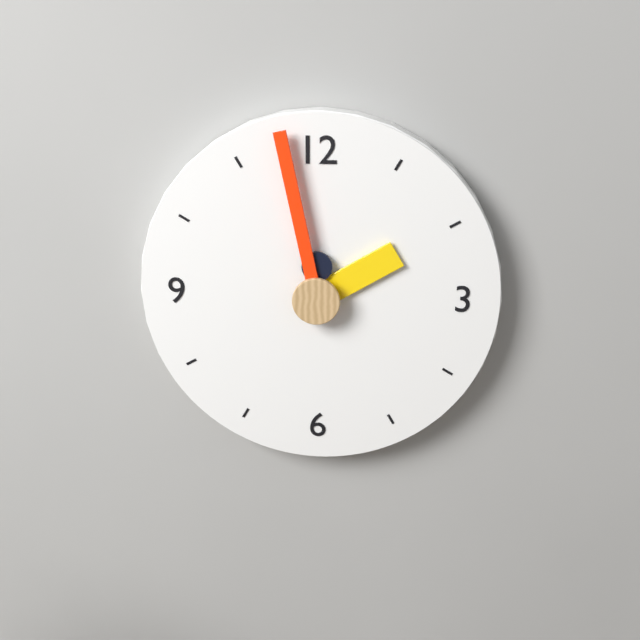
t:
1,58
